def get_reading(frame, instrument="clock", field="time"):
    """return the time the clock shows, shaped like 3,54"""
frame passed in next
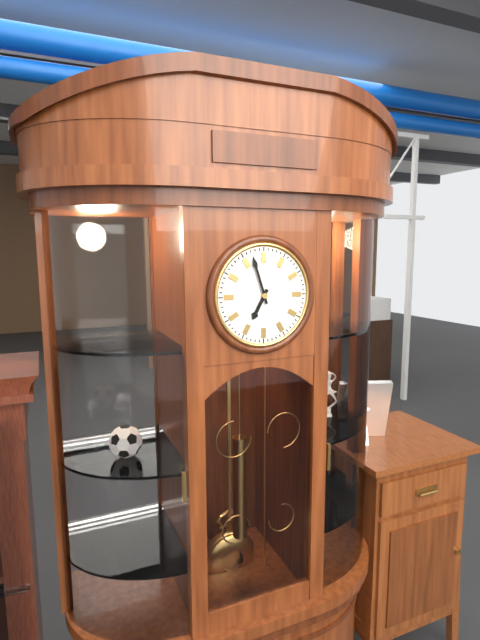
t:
6,57
